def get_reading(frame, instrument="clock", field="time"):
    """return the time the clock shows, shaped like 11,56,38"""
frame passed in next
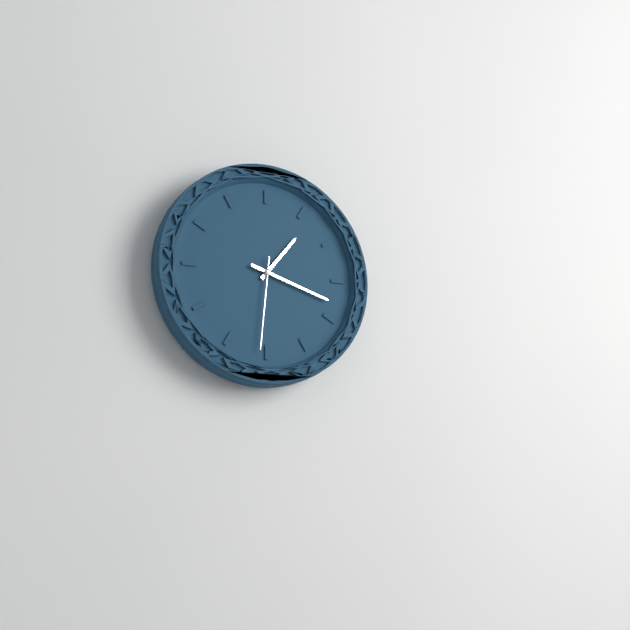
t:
1,18,31
